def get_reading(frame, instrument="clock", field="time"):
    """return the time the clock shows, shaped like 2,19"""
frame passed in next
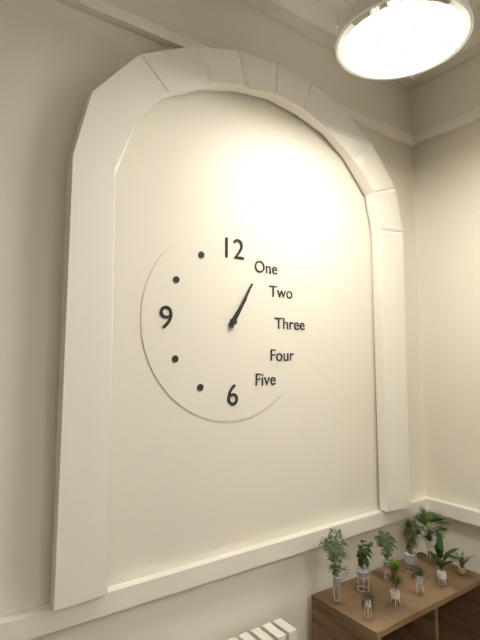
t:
1,05
